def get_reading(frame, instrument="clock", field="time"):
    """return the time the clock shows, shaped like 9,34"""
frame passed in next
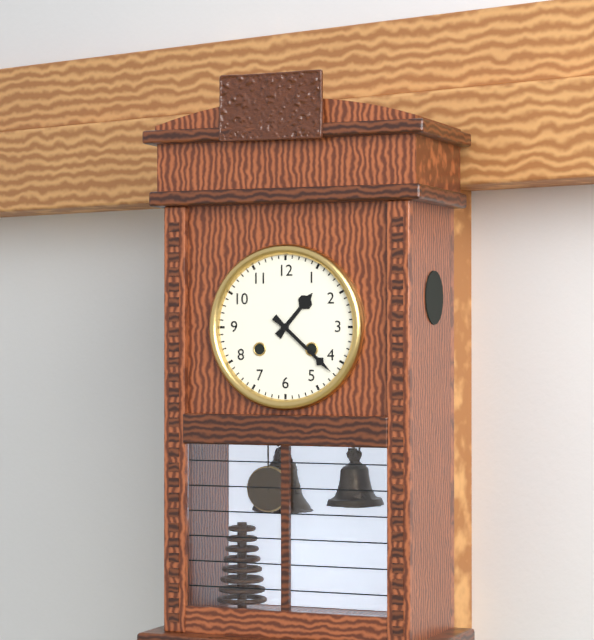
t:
1,22
